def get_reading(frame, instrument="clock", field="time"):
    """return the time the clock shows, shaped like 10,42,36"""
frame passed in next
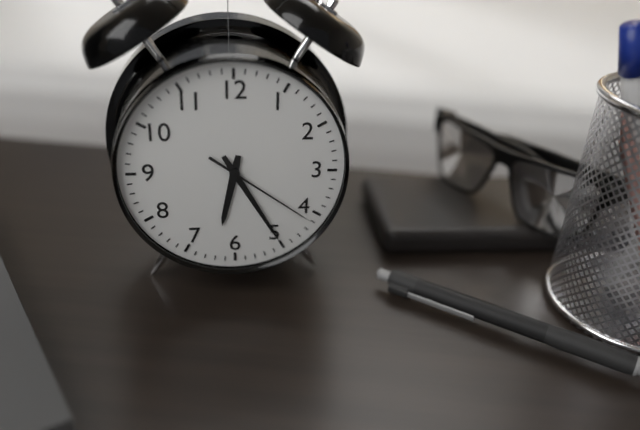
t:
6,25,21
